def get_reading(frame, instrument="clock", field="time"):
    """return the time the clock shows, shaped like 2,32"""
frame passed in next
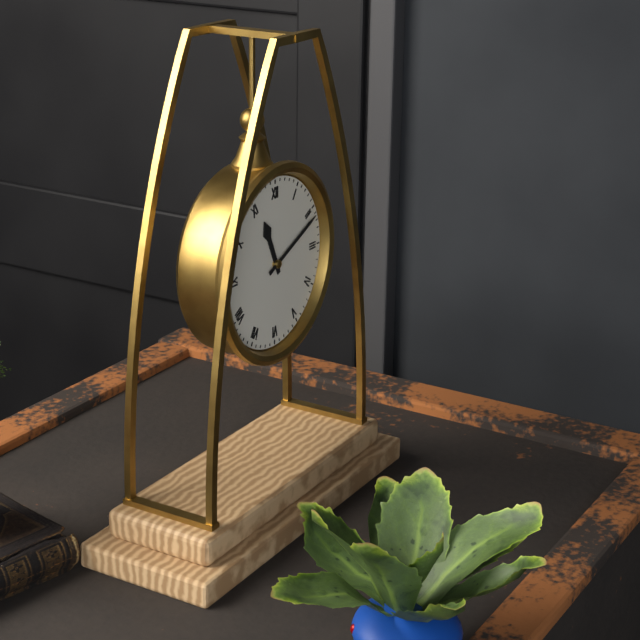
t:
11,11
